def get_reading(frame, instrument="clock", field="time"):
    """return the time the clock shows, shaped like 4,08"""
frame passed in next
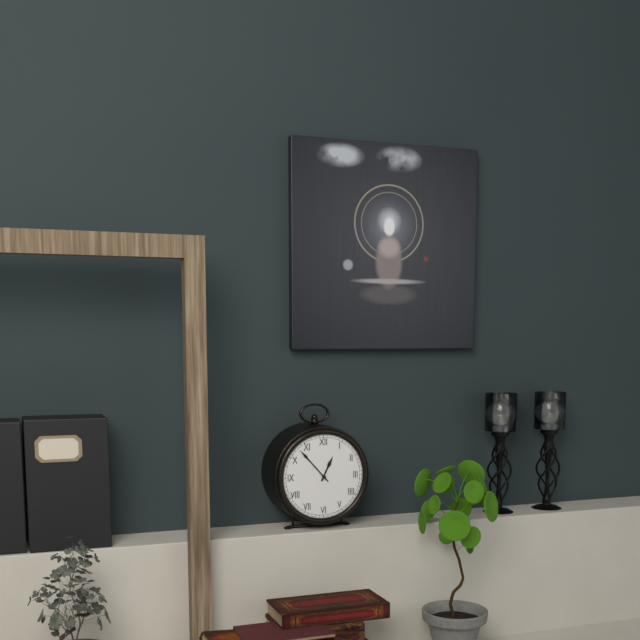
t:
12,53
